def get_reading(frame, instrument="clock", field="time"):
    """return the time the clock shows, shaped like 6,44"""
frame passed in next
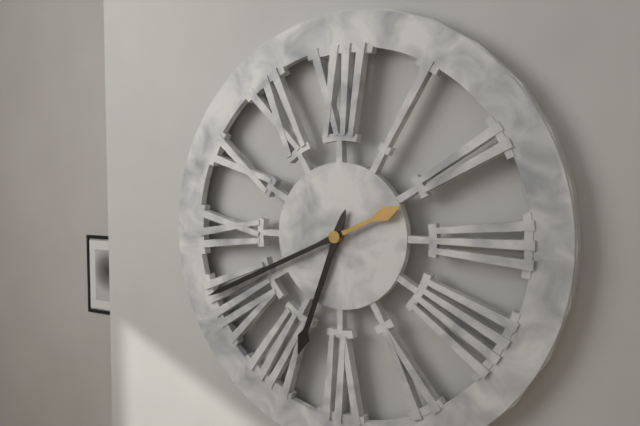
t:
6,41
